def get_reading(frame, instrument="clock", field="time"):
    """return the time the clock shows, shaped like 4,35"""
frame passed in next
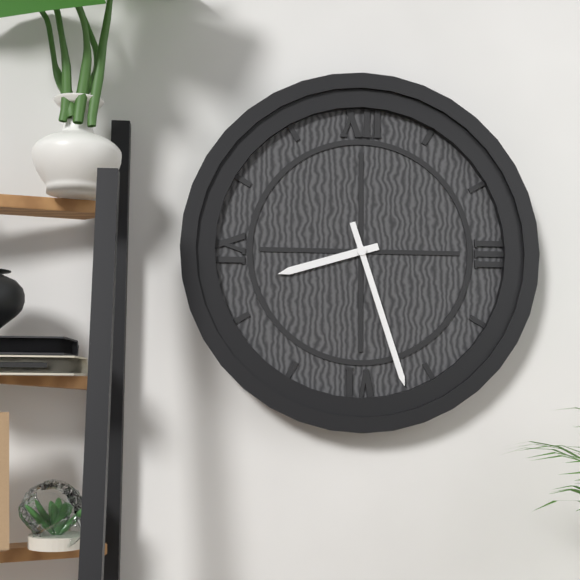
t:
8,27
